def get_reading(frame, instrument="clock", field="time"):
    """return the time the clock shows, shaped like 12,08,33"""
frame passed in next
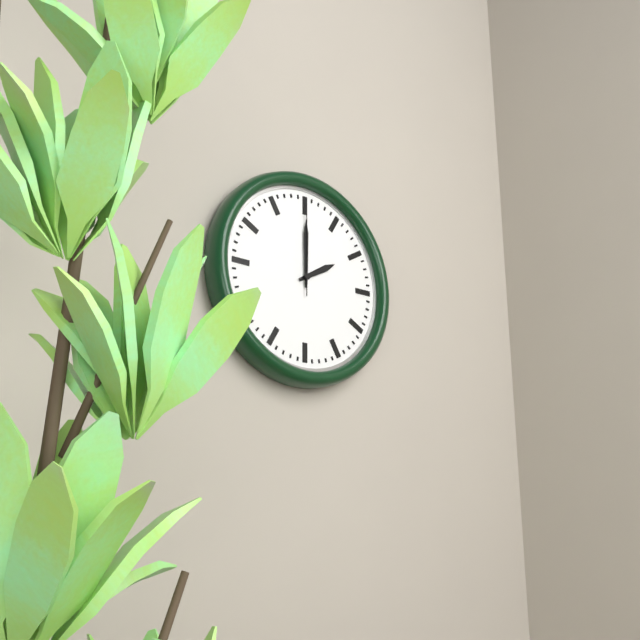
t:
2,00,00
